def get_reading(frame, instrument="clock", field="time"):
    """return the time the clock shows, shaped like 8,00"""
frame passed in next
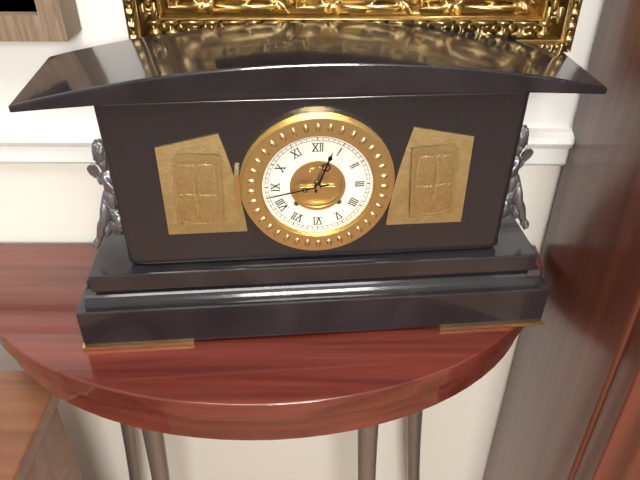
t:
12,43
